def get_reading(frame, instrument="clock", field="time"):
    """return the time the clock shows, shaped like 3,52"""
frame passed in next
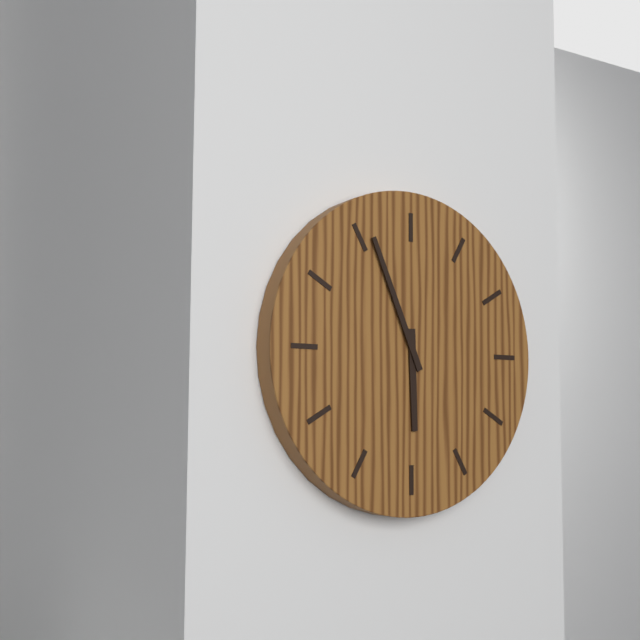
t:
5,56
